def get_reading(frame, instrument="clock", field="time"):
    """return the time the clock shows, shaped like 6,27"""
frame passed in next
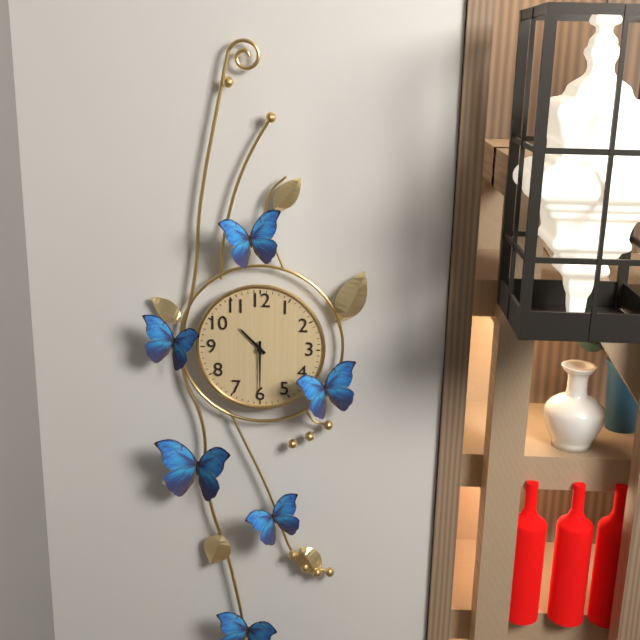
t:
10,30
